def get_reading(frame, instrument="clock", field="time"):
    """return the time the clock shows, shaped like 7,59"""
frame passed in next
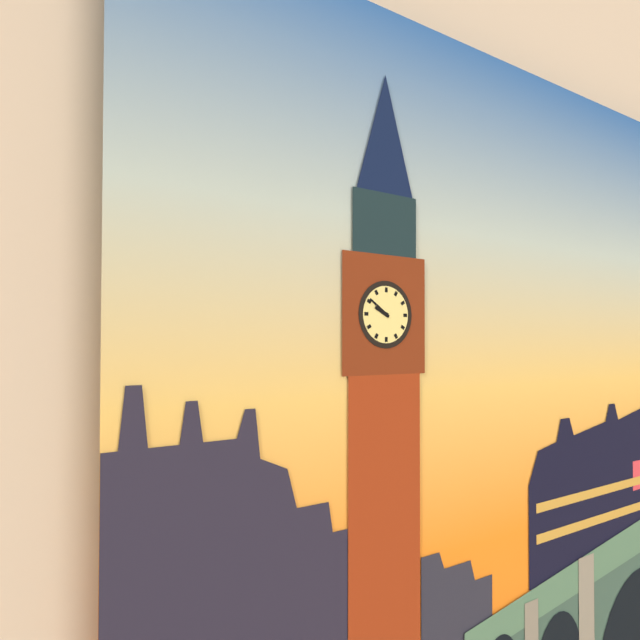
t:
9,51
